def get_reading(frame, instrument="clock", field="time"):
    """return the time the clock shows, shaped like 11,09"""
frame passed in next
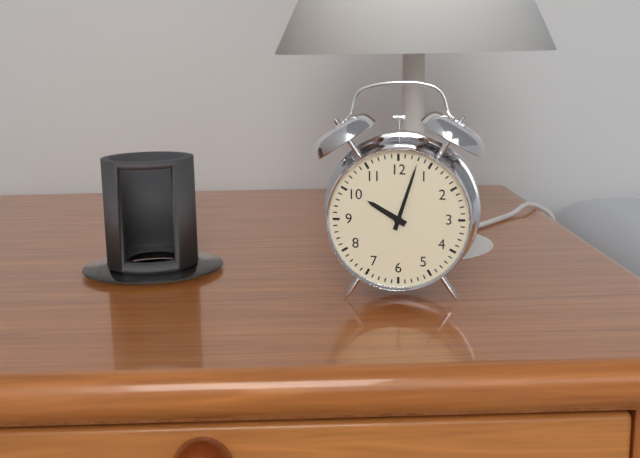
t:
10,03
